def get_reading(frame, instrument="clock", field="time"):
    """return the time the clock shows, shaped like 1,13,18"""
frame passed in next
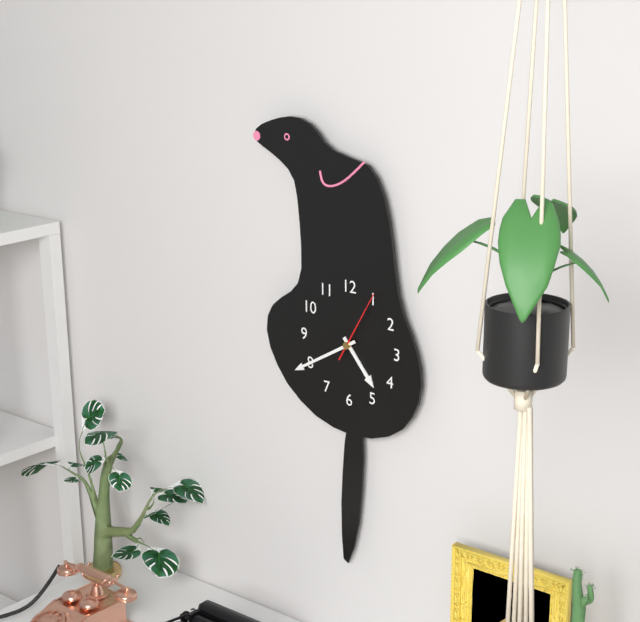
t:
4,40,05
